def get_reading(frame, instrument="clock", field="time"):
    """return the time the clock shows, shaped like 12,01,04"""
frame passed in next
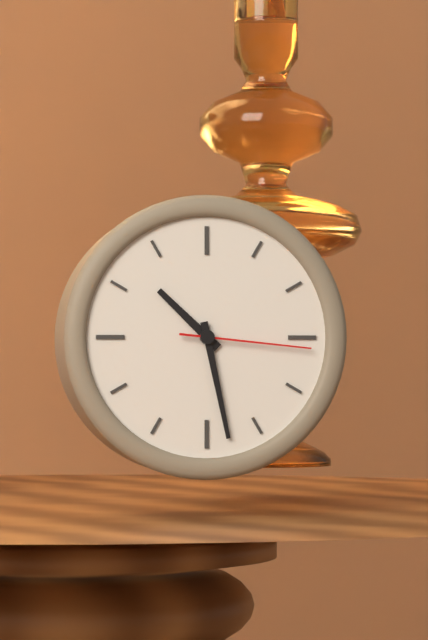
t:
10,28,16
